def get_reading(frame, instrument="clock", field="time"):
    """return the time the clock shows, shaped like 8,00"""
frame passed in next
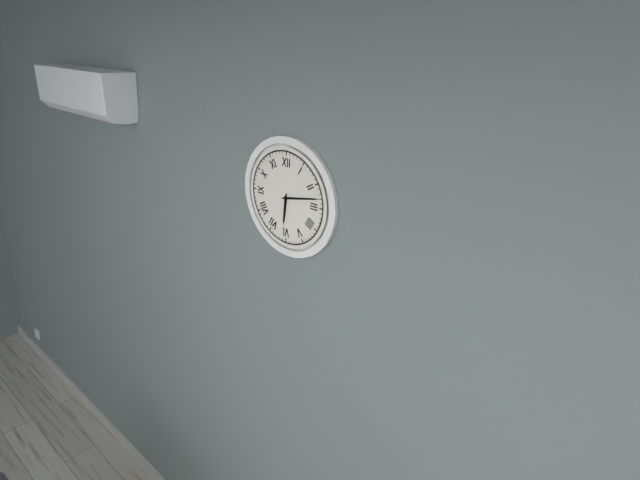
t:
6,13
